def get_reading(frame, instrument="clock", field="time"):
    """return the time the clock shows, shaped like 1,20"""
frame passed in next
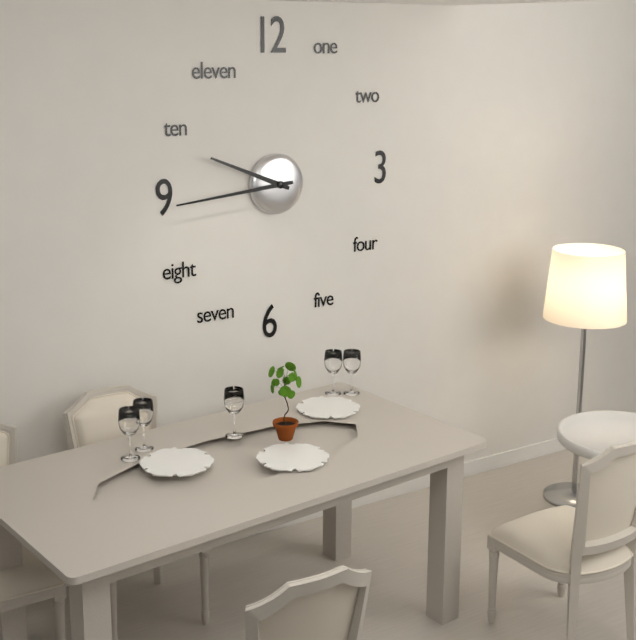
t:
9,44
